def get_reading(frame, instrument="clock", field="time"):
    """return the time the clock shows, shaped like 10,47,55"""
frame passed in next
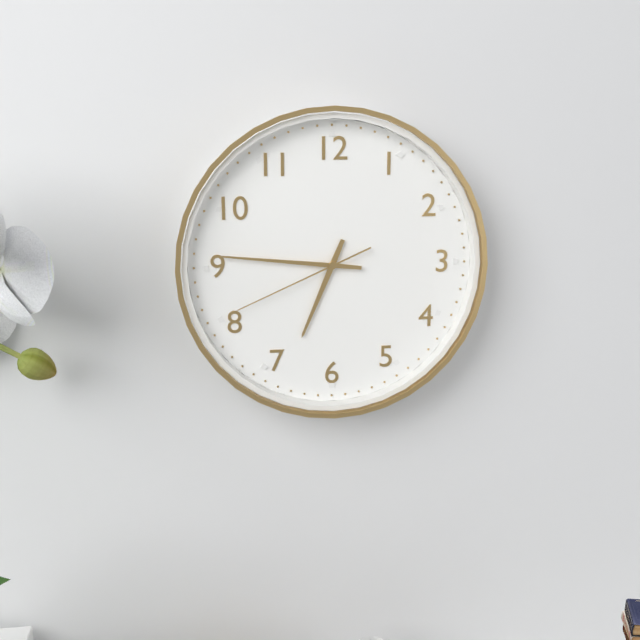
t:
6,46,41
